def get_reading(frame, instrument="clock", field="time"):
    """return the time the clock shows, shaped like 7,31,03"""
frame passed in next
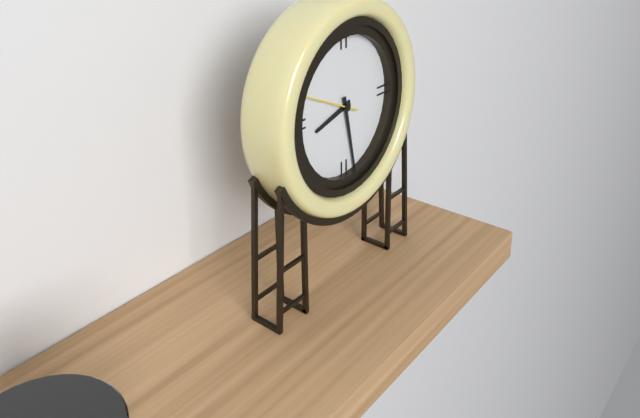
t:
8,28,49
